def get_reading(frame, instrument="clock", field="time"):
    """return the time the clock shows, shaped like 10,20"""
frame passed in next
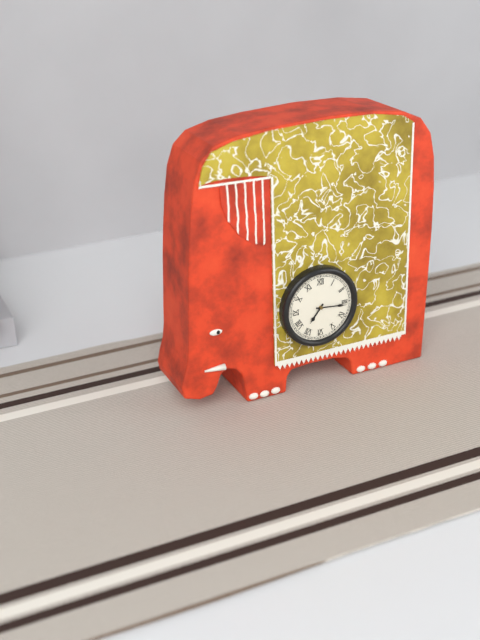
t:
7,16
